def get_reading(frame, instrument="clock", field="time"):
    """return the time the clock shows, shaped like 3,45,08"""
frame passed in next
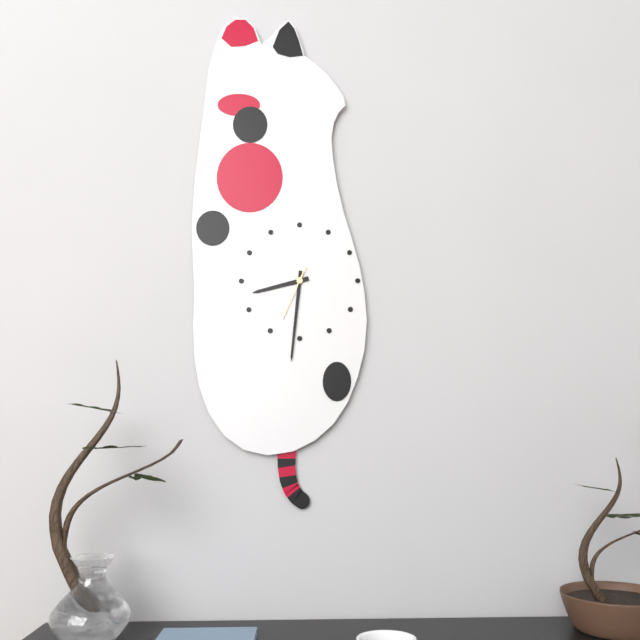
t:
8,31,34
